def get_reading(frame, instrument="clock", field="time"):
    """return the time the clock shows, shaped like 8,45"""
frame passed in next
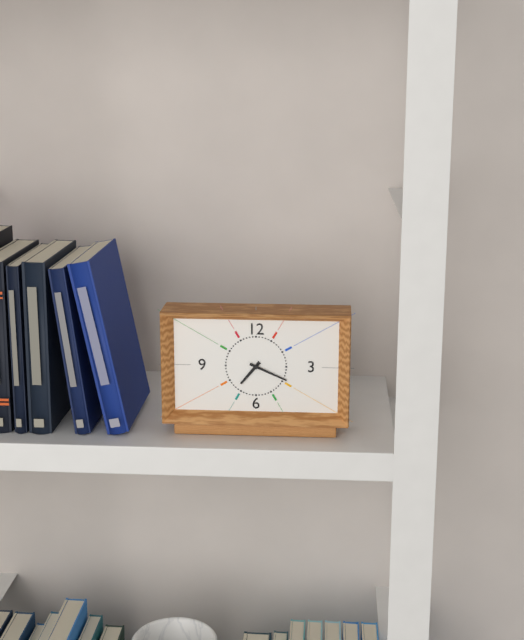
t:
7,19
